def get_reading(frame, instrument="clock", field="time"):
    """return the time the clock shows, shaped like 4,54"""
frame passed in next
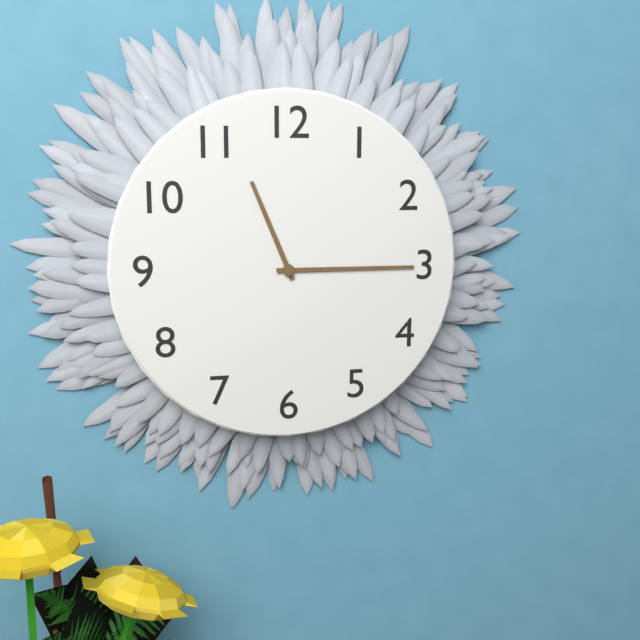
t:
11,15
